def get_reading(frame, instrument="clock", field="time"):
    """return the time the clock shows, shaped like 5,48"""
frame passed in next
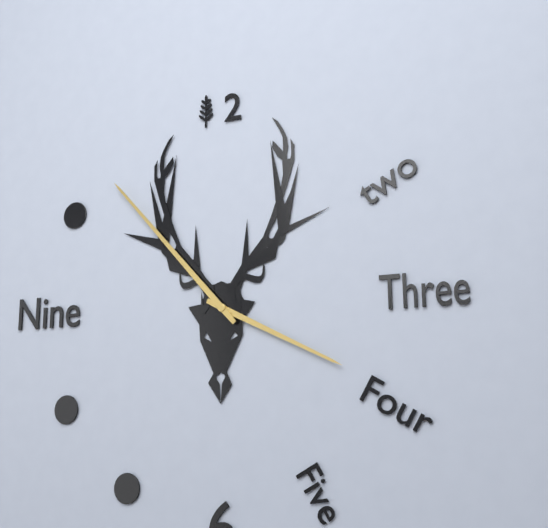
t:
3,53
